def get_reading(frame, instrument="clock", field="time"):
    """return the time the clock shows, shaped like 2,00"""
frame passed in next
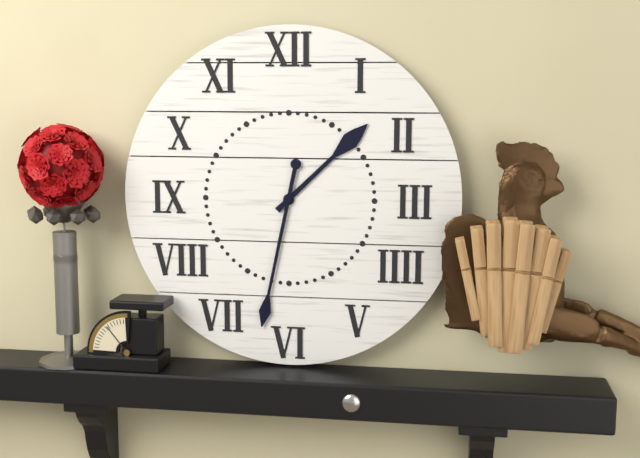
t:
1,32
